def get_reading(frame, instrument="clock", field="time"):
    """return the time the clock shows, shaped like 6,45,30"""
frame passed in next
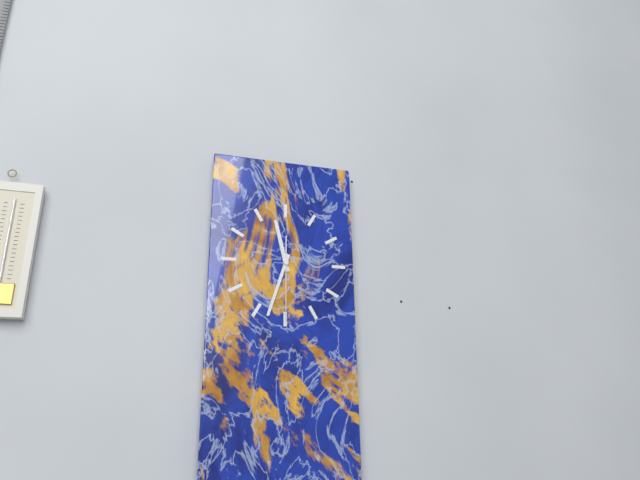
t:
11,33,30
